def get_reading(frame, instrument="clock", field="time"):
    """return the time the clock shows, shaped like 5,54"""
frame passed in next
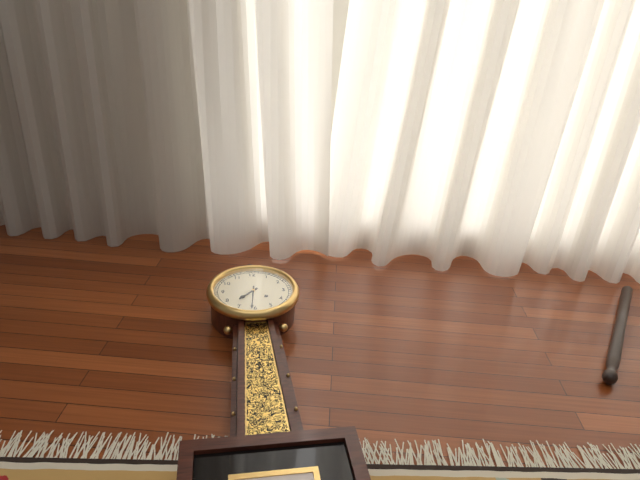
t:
7,31
